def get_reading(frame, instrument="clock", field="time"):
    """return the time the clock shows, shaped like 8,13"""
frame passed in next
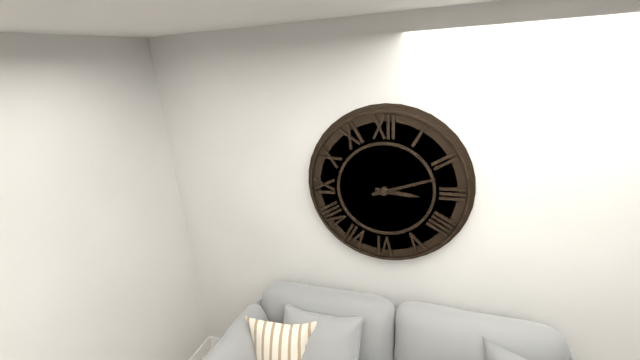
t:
3,12
